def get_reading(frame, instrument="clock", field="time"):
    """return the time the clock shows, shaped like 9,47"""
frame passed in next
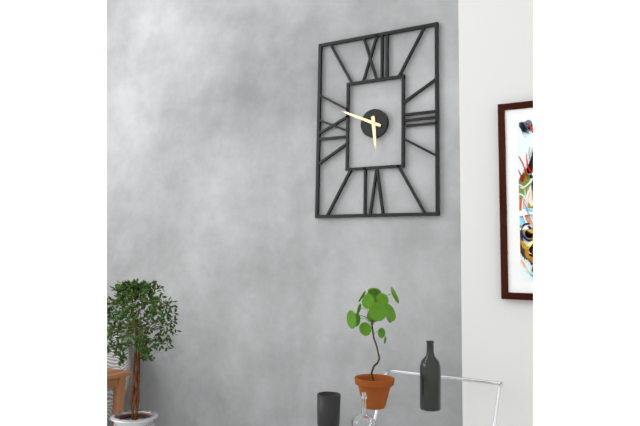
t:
5,49
